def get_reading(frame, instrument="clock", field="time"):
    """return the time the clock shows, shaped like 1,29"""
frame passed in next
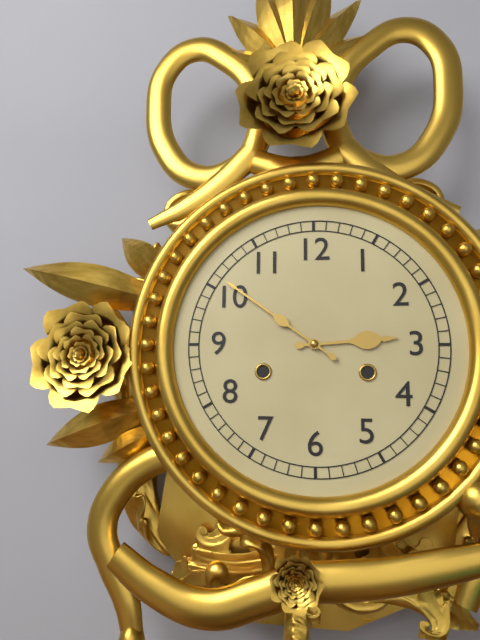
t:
2,51
